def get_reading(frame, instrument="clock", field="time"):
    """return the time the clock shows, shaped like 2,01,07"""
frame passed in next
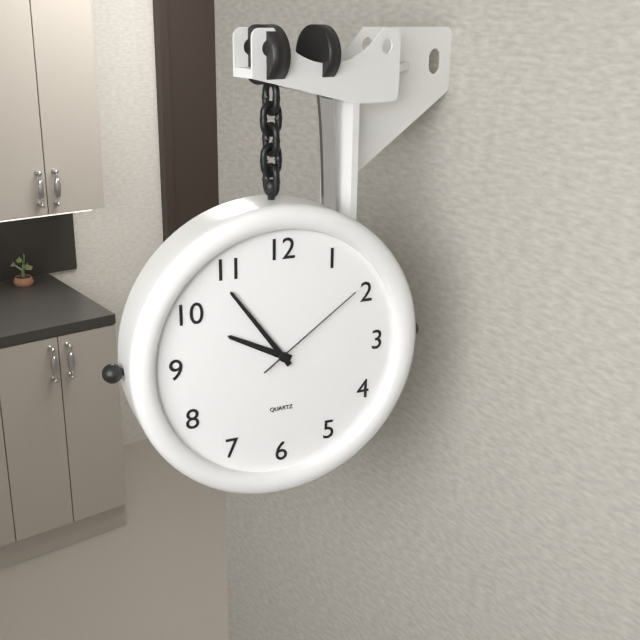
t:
9,54,09
